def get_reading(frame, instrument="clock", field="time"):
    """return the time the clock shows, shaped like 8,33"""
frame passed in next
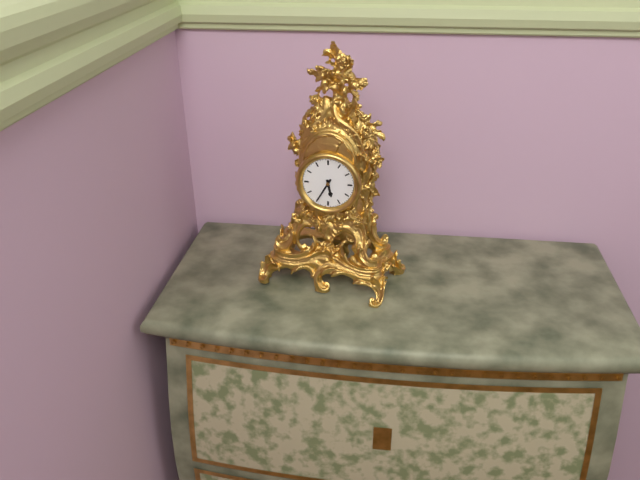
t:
5,35
